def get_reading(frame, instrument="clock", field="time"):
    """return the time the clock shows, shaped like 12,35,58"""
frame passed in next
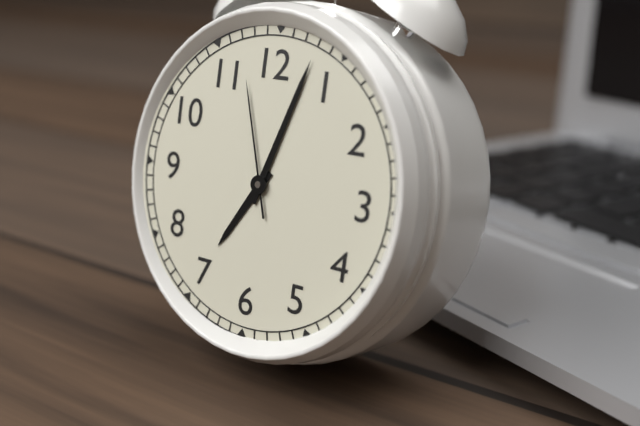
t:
7,03,57
